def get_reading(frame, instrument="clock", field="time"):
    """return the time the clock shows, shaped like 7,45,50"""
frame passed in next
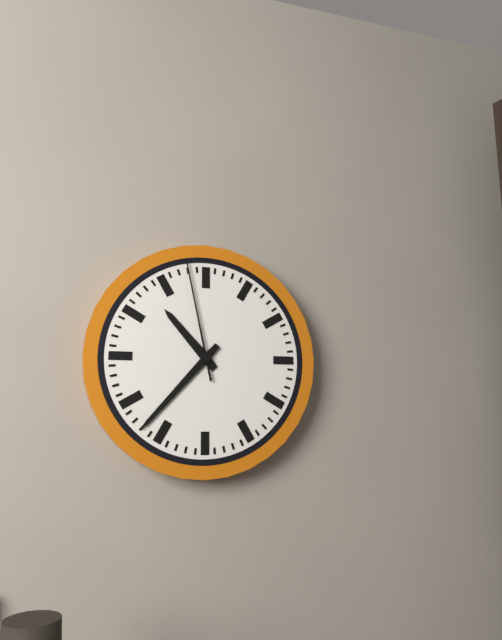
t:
10,37,58
